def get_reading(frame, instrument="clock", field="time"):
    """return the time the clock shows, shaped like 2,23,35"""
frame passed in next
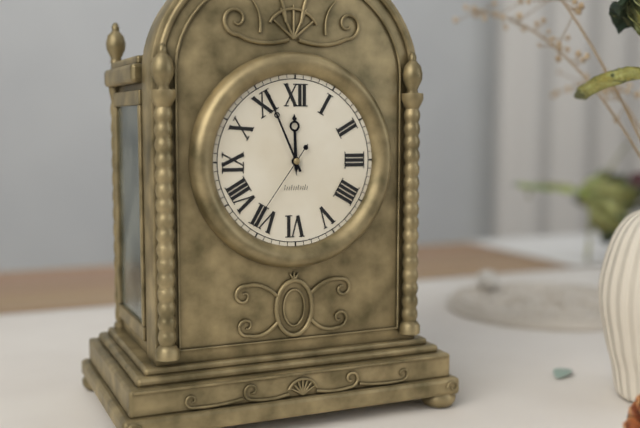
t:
11,56,36
